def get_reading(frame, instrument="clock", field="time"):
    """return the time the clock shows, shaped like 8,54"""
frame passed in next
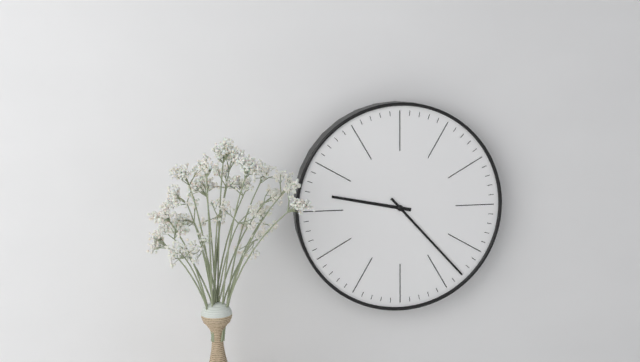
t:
9,23
